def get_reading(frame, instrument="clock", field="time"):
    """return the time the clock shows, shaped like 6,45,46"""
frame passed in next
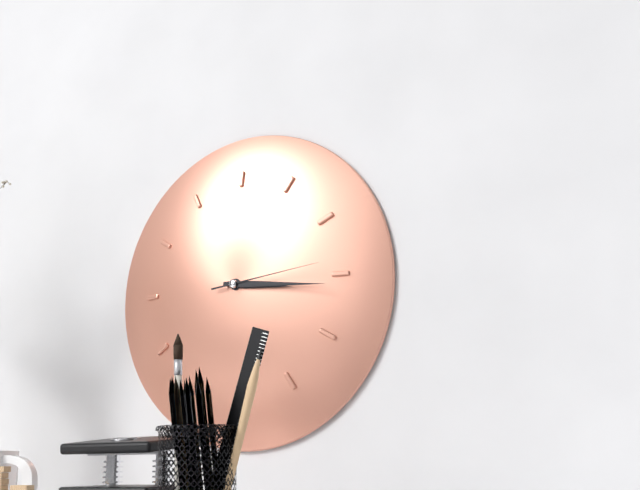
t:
3,16,14
